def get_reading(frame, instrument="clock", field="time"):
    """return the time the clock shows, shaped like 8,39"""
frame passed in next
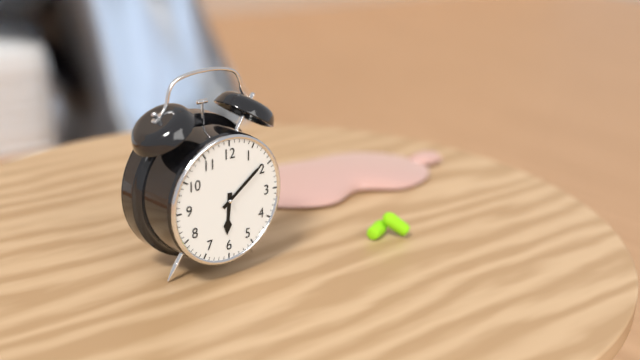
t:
6,09
